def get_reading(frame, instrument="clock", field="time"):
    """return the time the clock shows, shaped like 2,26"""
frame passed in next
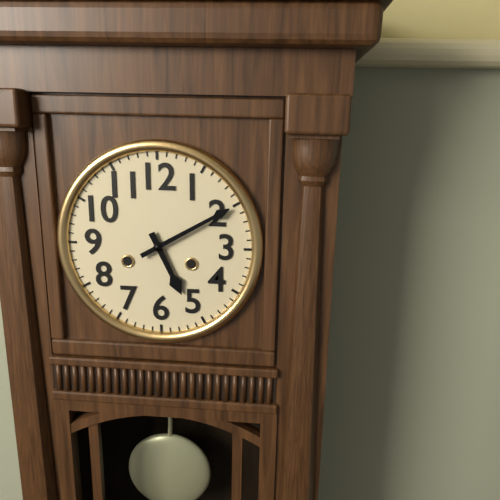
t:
5,10
